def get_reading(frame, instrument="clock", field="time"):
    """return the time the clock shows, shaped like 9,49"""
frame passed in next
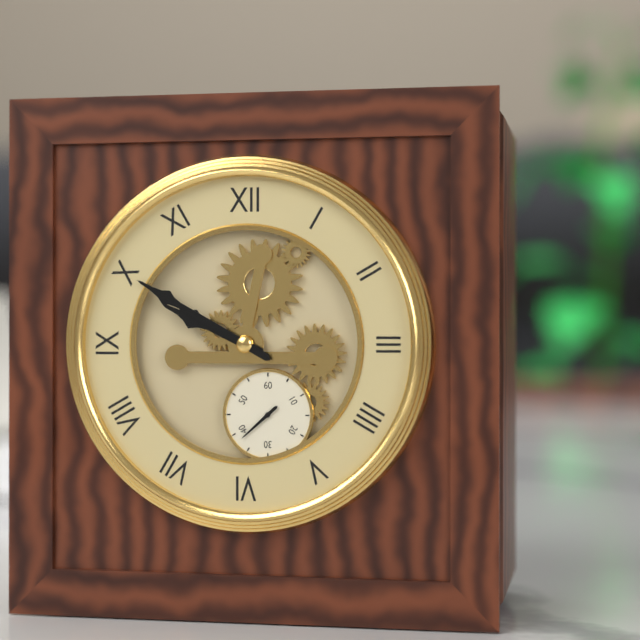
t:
9,50
